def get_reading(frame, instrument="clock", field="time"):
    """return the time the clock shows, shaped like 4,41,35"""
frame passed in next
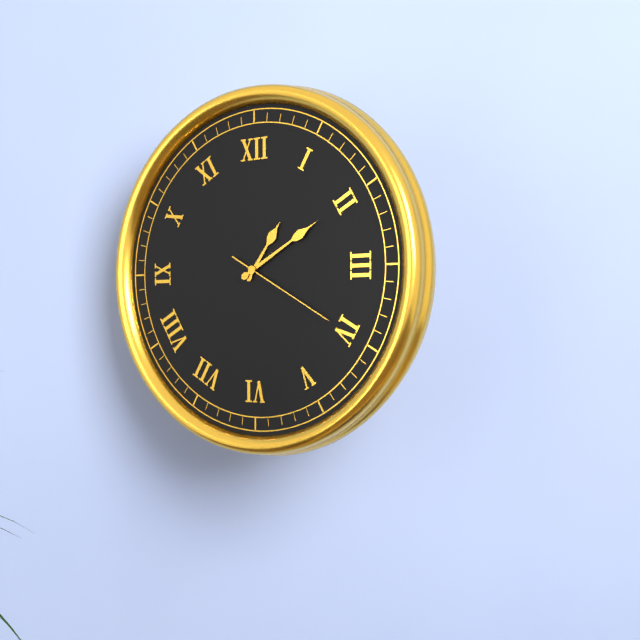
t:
1,10,20
